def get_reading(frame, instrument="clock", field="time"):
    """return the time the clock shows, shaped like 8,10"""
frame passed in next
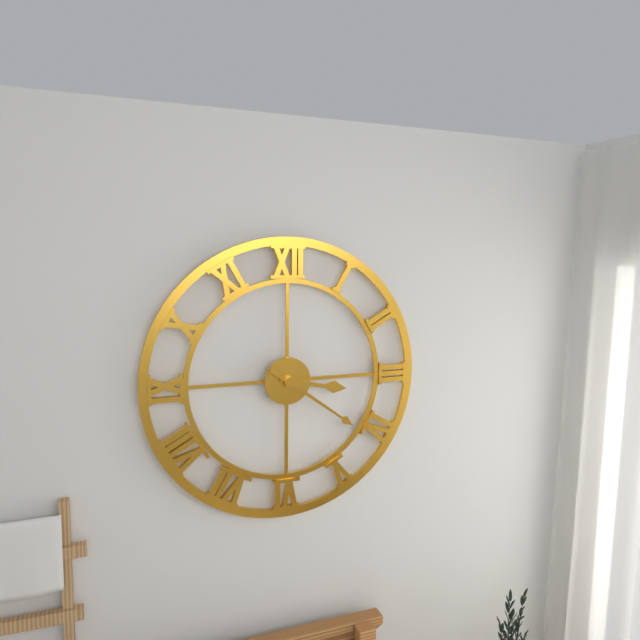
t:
3,21
